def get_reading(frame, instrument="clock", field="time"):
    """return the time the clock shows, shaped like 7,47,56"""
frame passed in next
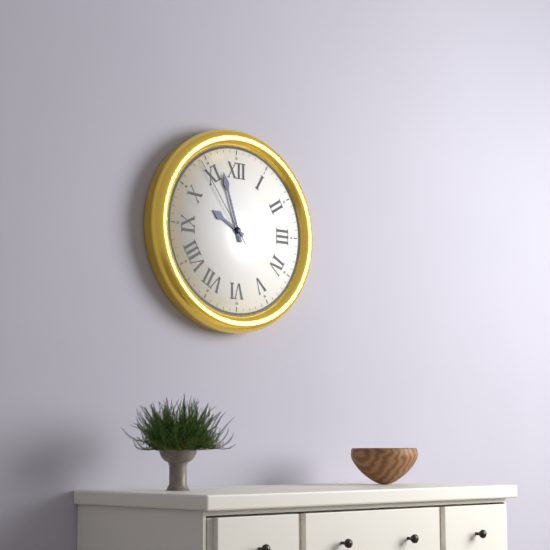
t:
9,57,54
